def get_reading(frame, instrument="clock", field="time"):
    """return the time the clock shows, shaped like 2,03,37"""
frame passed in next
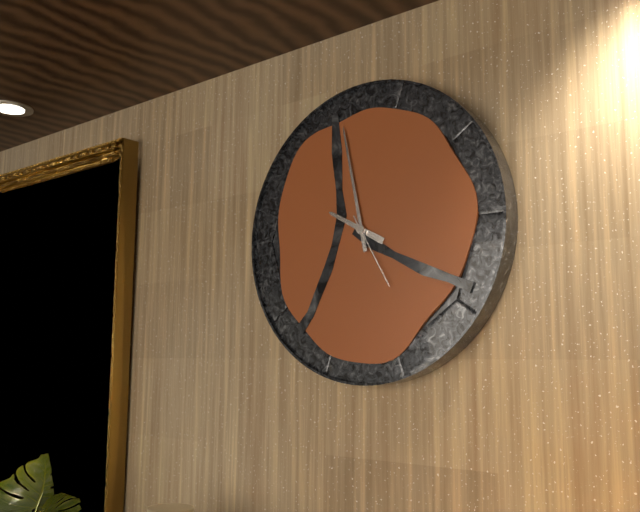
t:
9,58,25
